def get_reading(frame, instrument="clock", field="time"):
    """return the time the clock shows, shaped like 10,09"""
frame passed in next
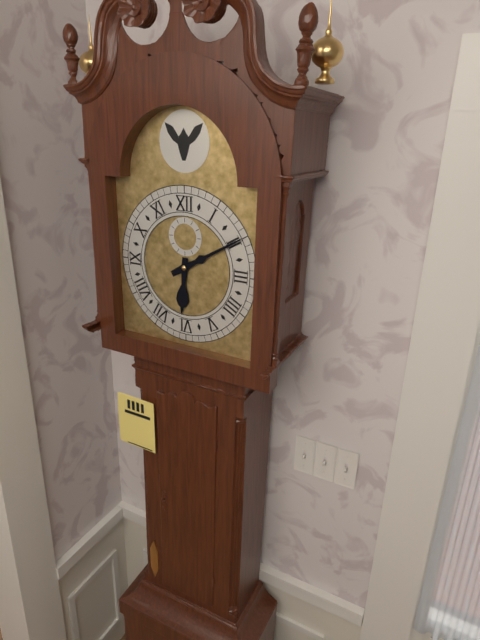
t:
6,10
